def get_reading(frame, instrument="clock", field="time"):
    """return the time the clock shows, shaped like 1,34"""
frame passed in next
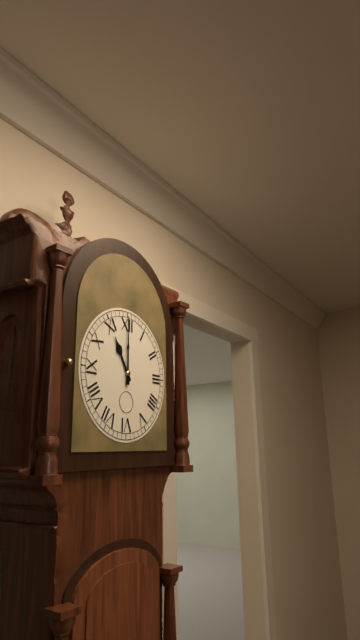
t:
11,00
